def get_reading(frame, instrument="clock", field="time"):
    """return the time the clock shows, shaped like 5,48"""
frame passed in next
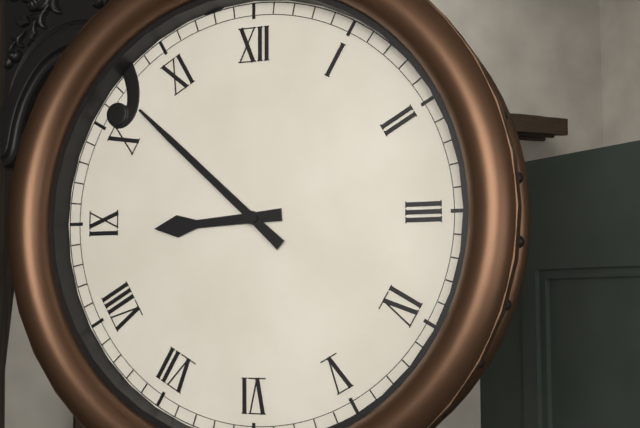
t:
8,52
